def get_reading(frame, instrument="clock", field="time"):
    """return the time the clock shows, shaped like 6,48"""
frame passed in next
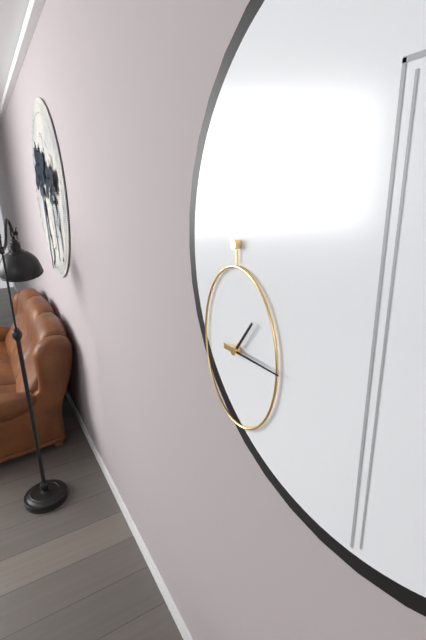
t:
1,15
